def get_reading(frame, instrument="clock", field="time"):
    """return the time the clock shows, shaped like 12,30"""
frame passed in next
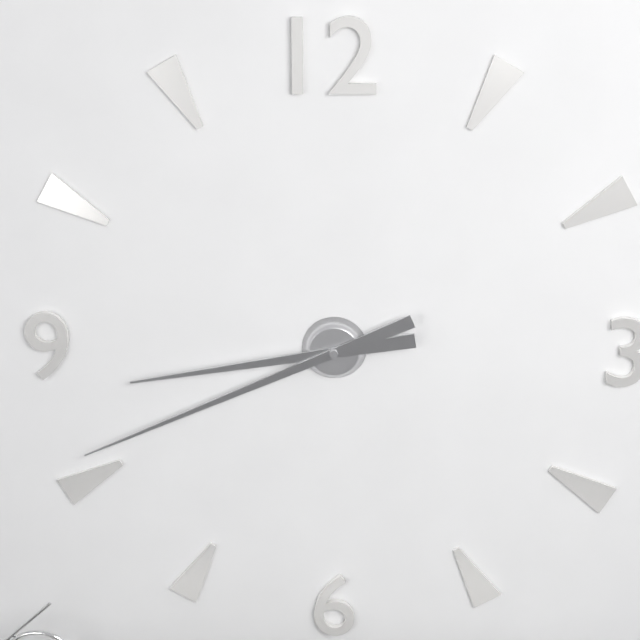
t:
8,41
